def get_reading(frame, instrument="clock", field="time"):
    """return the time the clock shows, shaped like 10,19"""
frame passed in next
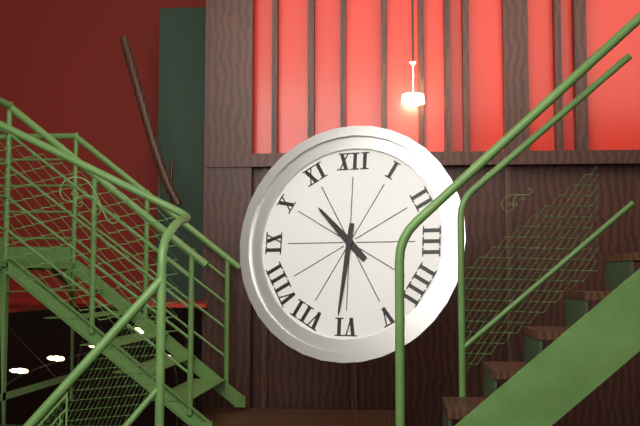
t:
10,31
